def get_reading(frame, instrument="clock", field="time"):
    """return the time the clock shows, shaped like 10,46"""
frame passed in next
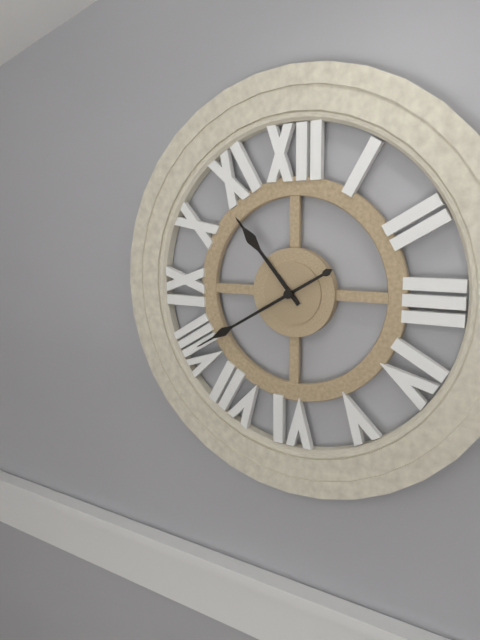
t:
10,40
